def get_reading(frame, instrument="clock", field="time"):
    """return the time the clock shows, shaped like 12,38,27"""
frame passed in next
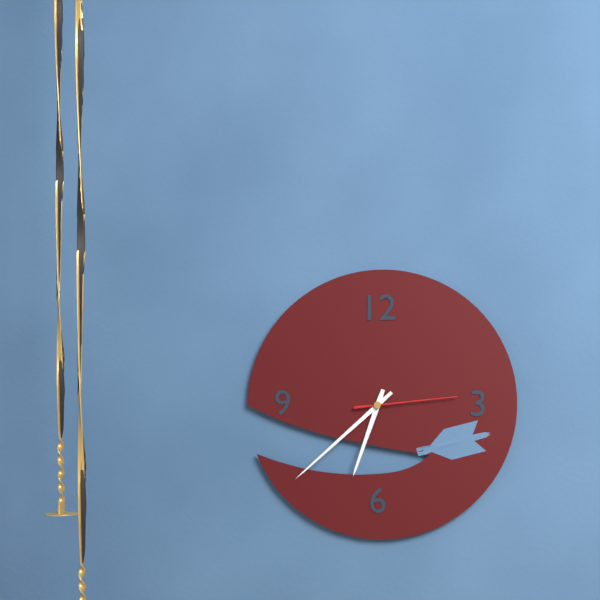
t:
6,38,14
